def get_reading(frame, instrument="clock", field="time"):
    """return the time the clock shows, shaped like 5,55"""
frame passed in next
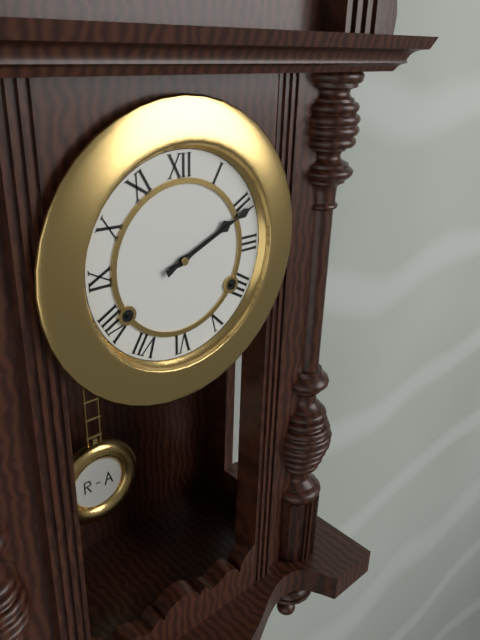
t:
2,11
